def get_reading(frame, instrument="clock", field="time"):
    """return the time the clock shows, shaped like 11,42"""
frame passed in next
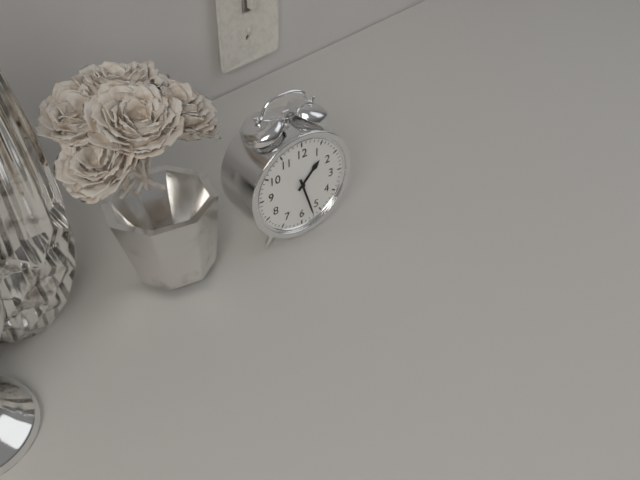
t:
1,27
